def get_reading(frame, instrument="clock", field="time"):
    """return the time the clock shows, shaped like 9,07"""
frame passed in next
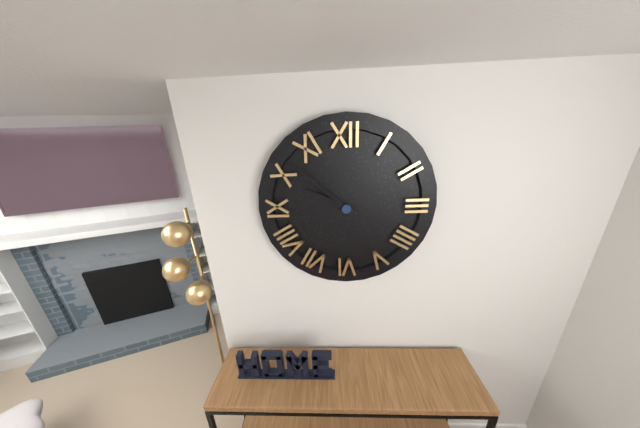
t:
9,52
